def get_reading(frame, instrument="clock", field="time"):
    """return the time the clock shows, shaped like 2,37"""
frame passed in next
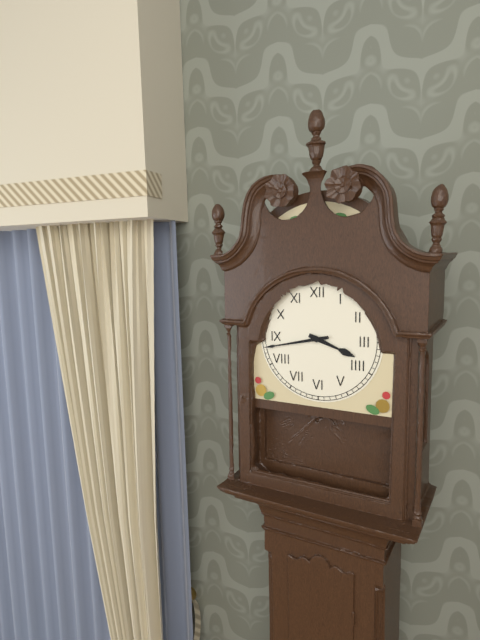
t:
3,43
